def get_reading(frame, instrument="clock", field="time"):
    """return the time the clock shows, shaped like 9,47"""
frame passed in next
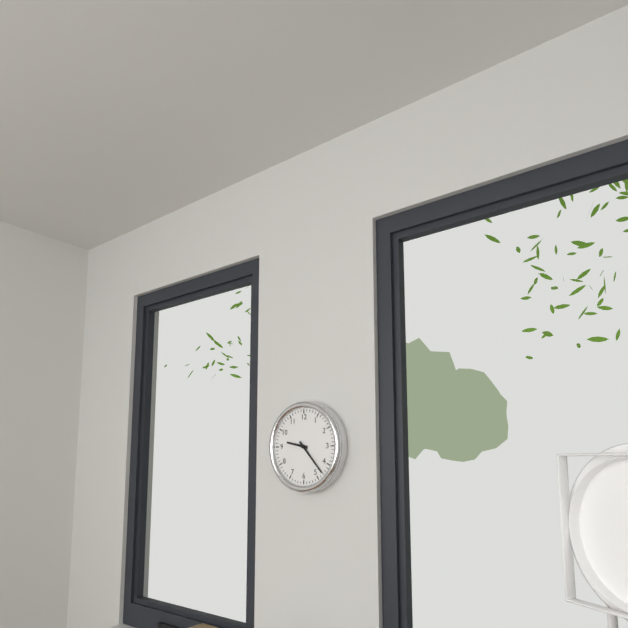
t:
9,23
